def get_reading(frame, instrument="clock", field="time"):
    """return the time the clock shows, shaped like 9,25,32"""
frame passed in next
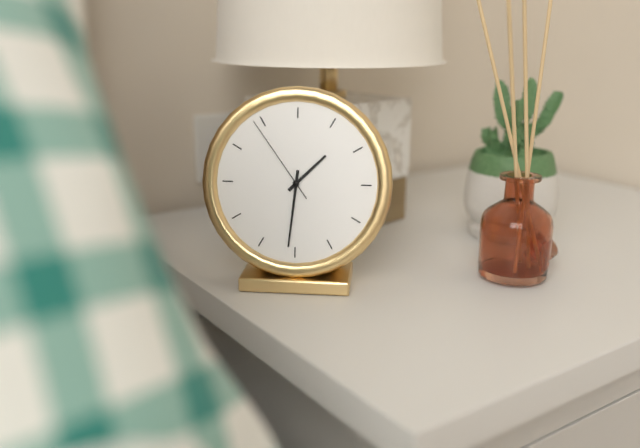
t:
1,31,54
